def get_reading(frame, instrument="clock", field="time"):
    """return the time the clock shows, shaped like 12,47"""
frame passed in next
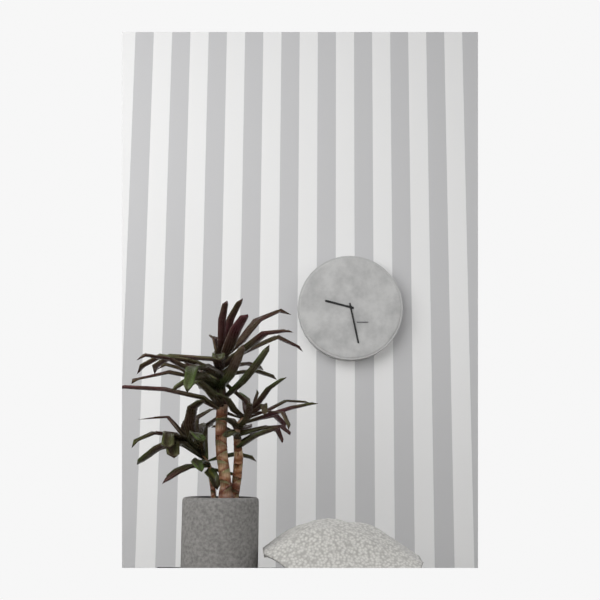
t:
9,28
